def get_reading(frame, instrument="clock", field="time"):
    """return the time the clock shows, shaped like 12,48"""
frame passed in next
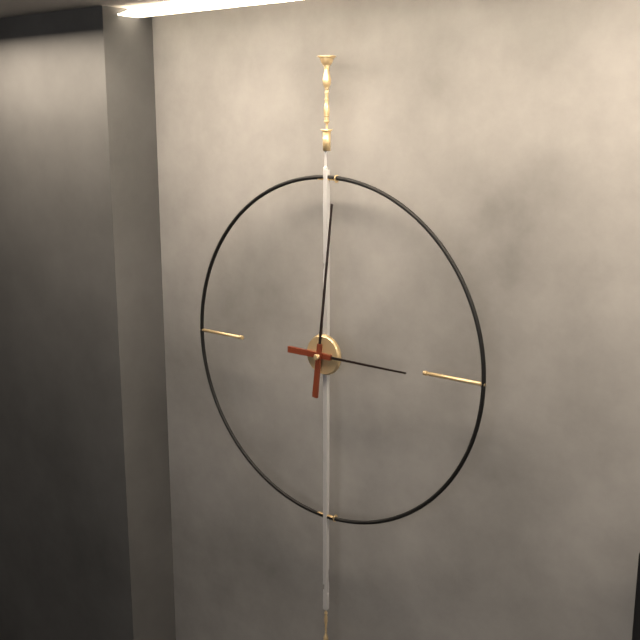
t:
3,01
